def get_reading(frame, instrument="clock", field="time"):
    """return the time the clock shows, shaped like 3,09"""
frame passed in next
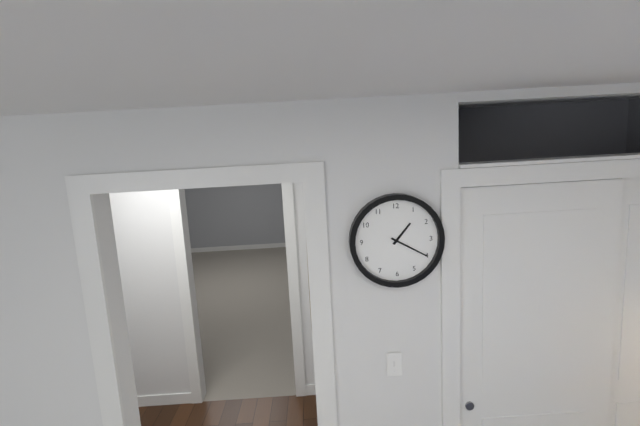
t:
1,20
